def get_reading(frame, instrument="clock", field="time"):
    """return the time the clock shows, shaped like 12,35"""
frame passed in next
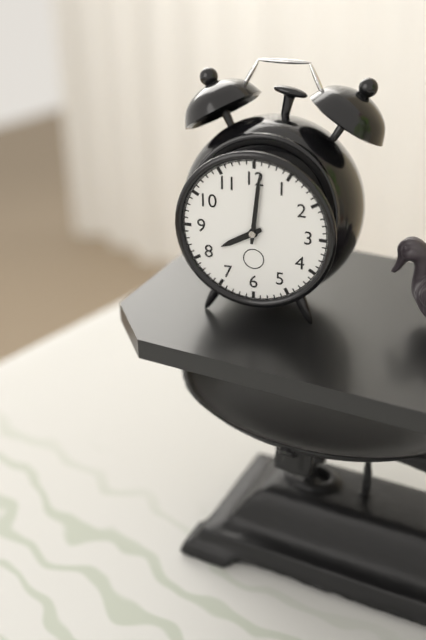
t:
8,01
